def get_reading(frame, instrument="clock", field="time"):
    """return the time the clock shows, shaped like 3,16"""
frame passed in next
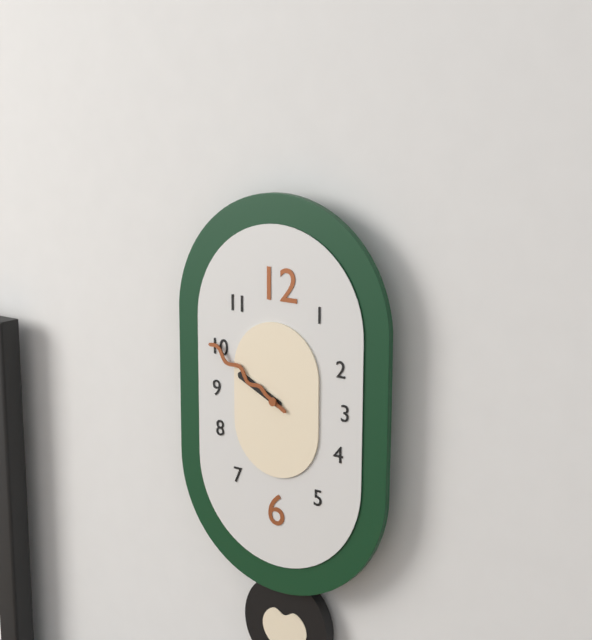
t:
9,50
